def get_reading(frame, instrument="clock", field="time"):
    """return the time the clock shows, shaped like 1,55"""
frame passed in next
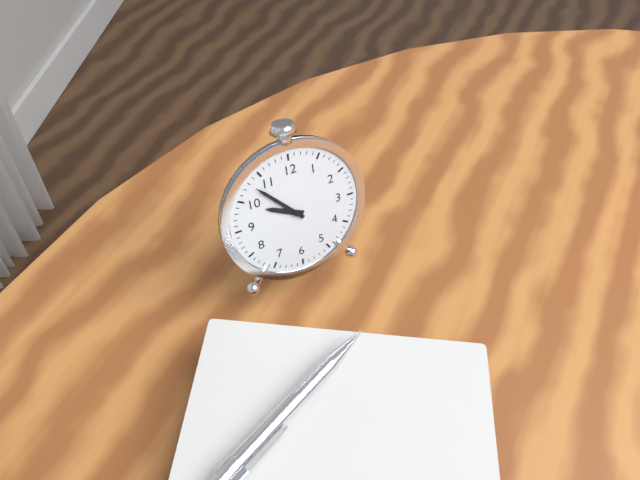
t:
9,53
